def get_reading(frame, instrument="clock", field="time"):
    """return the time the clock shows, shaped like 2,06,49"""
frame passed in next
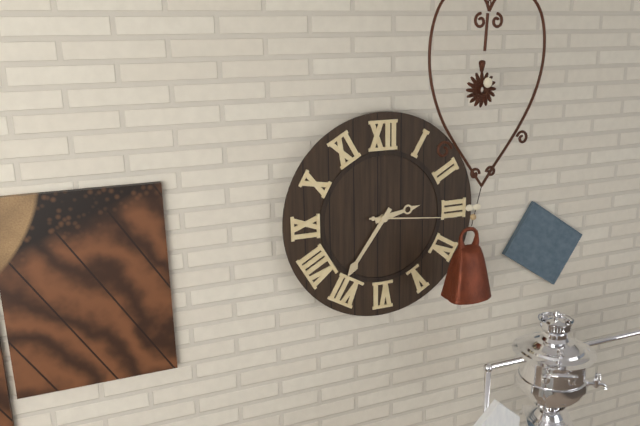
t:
2,36,16
